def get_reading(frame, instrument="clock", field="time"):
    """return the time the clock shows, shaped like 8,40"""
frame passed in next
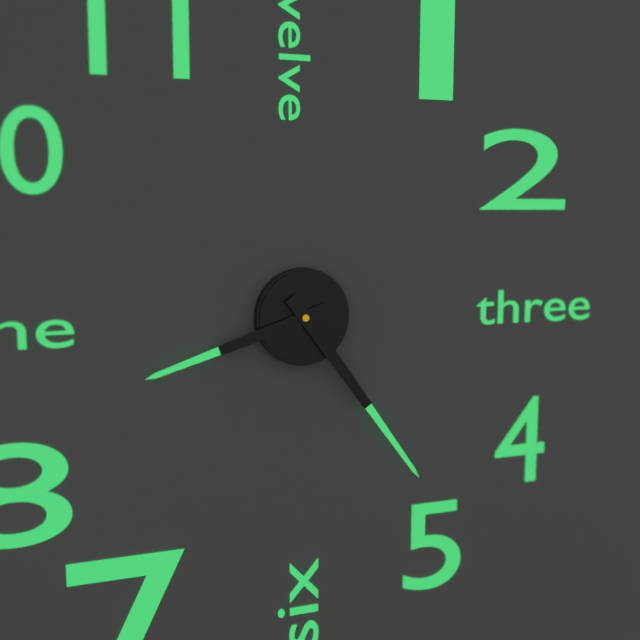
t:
8,24
